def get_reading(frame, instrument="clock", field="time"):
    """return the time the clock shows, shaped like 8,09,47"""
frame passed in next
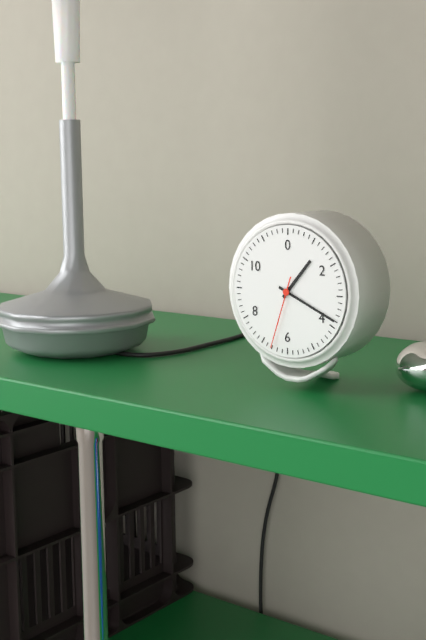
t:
1,19,33
